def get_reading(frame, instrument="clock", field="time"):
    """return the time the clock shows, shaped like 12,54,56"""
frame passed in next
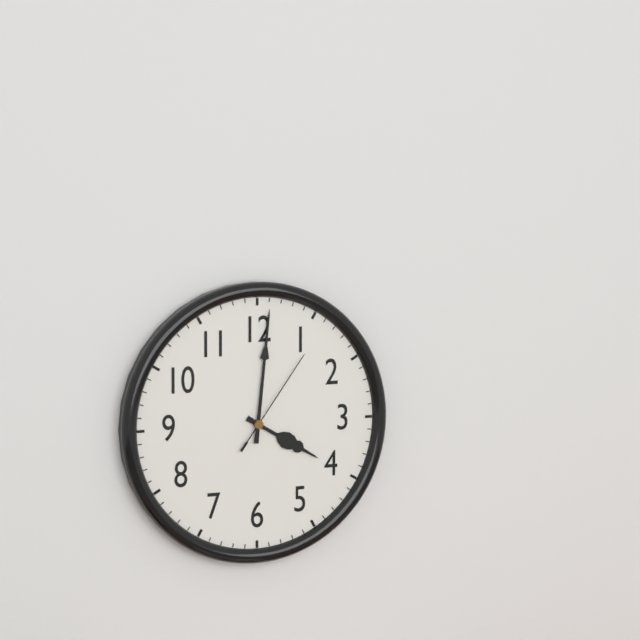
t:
4,01,06
